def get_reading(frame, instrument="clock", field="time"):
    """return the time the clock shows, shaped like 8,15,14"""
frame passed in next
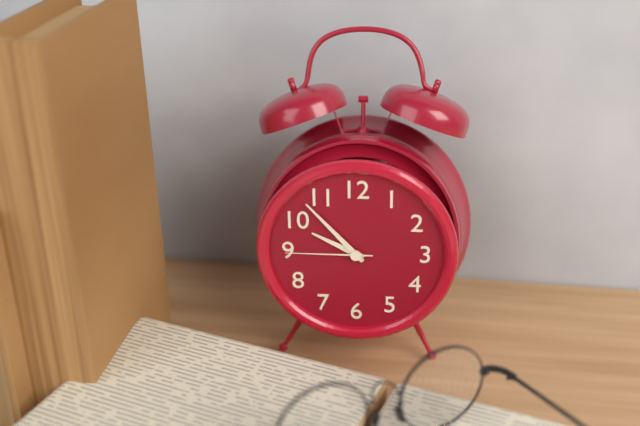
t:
9,53,45
